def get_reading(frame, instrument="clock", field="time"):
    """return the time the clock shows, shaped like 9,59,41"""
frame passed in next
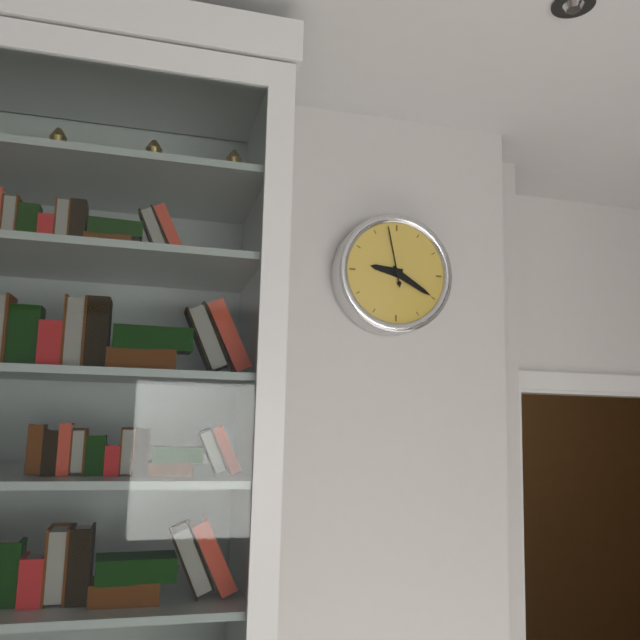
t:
9,20,58
